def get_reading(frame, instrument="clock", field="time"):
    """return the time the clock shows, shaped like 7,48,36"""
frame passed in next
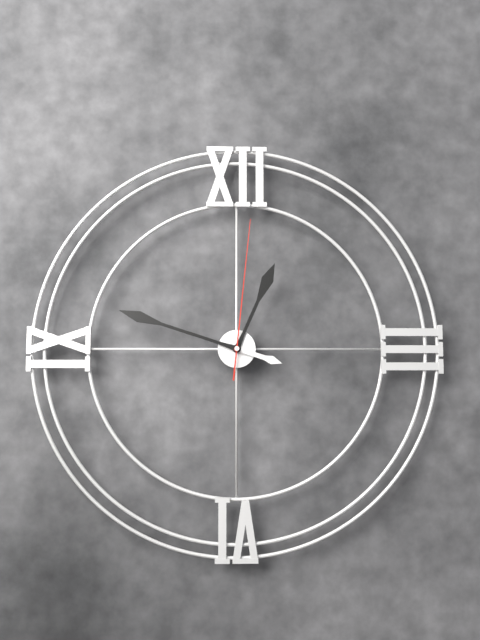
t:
12,48,01
